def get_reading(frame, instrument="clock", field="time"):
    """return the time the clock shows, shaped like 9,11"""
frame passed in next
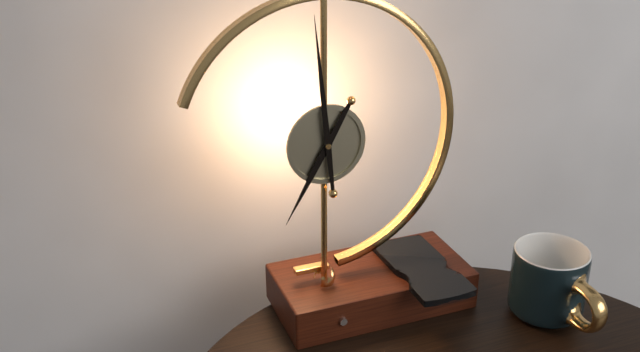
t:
6,59
